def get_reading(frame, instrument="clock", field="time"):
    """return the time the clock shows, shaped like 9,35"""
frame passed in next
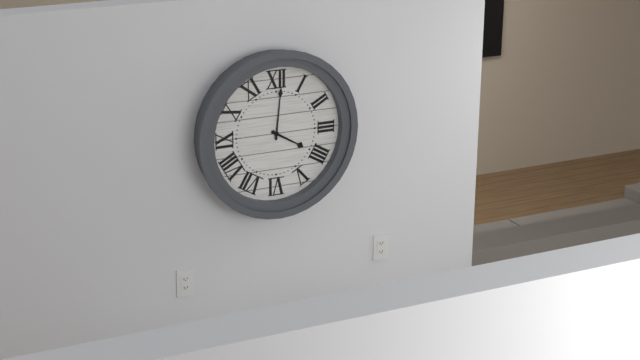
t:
4,01
